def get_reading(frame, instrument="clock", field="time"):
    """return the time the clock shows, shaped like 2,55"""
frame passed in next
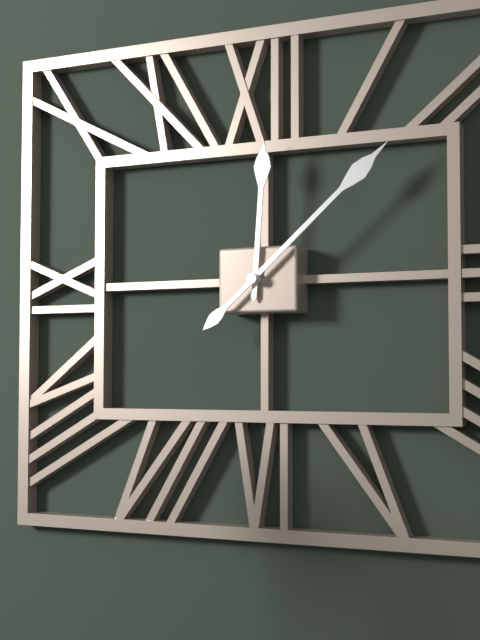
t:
12,08
